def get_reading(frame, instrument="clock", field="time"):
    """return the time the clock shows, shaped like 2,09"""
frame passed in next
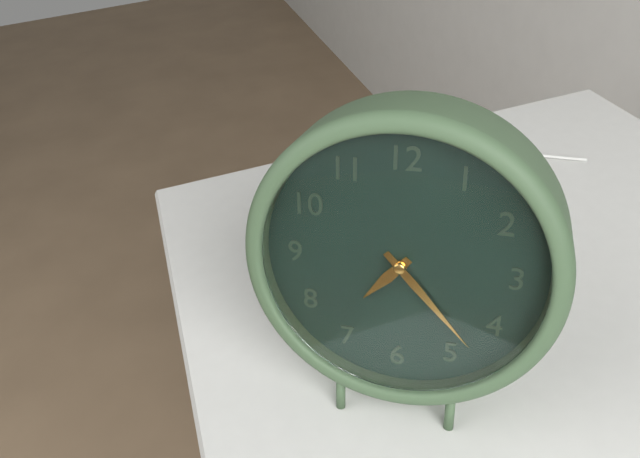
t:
7,23
